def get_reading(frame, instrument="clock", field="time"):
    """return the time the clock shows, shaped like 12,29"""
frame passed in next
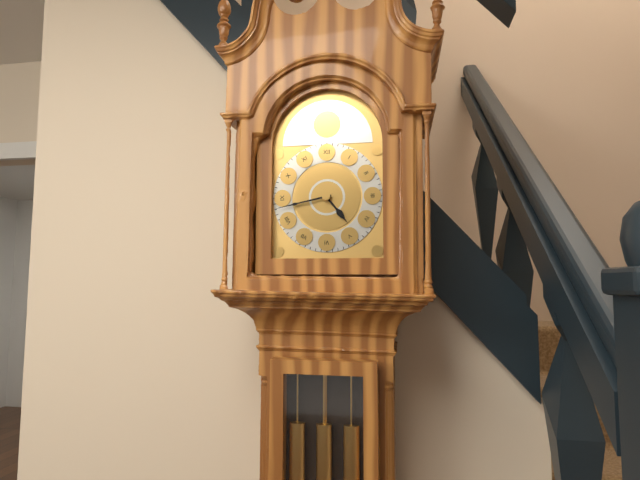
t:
4,43
